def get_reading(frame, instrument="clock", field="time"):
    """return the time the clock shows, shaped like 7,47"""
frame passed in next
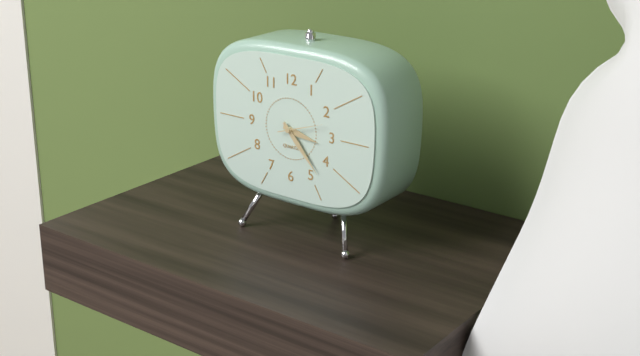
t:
3,23
